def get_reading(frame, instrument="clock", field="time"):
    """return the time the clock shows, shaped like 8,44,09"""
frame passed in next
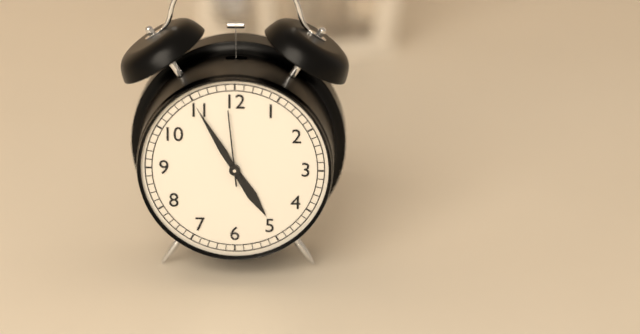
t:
4,55,59
